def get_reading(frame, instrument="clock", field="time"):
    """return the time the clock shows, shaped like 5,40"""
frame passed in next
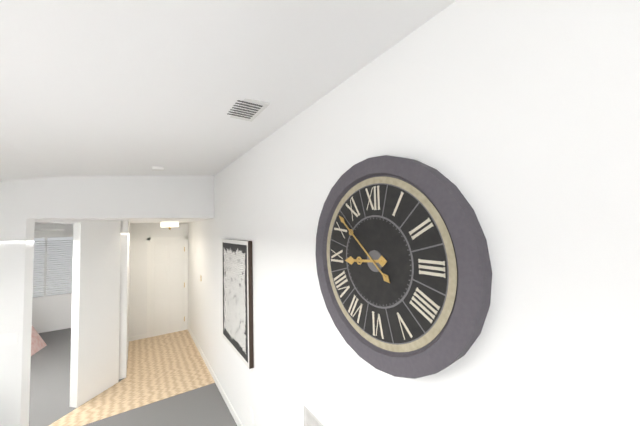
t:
8,52
